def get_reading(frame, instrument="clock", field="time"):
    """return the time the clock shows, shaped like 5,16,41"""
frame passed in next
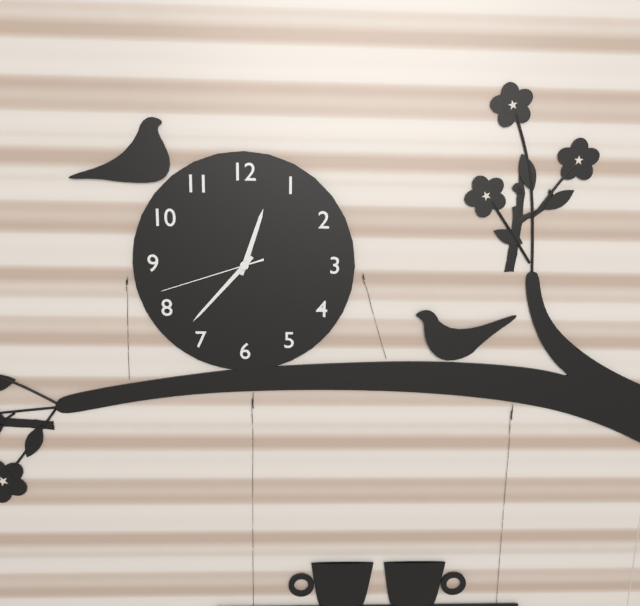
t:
12,37,42
